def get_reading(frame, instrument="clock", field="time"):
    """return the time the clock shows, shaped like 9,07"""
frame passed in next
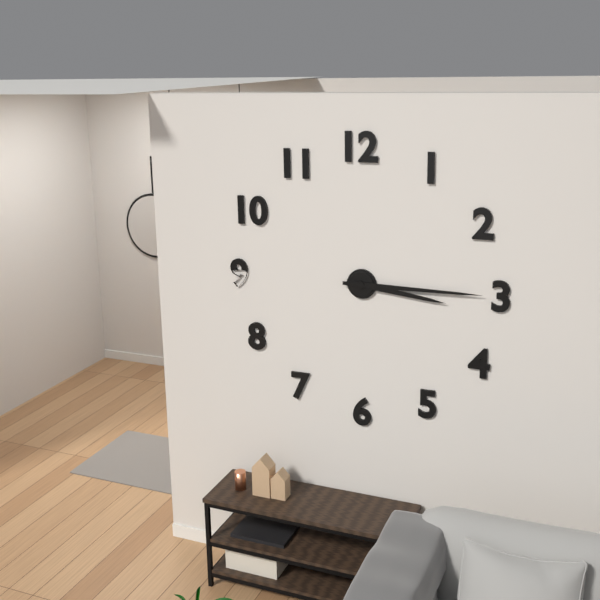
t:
3,15
